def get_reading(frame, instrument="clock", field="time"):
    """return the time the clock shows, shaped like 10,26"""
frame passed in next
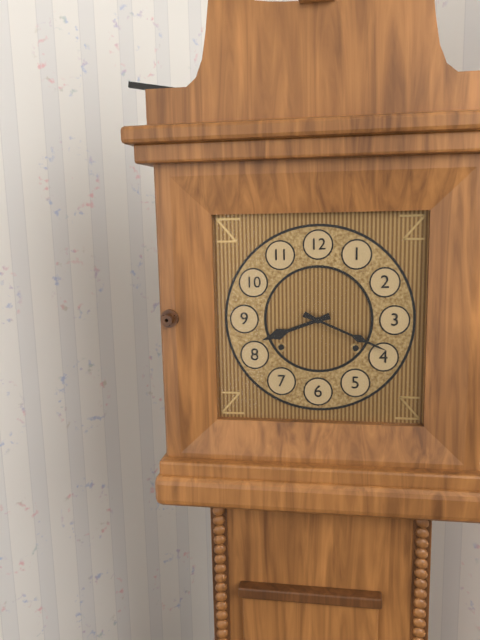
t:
8,19
